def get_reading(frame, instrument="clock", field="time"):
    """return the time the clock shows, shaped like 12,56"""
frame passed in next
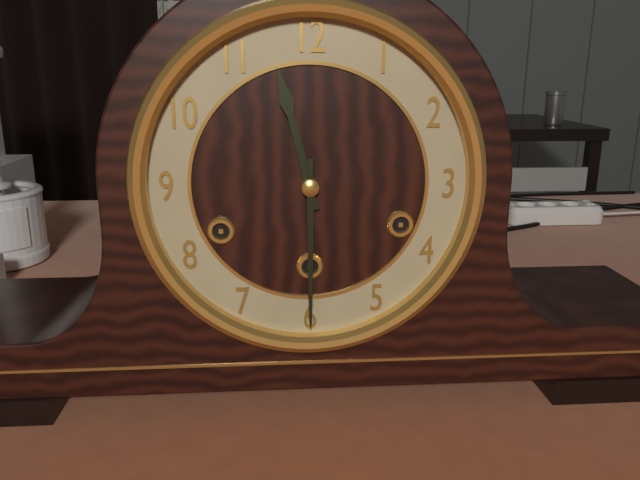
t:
11,30
